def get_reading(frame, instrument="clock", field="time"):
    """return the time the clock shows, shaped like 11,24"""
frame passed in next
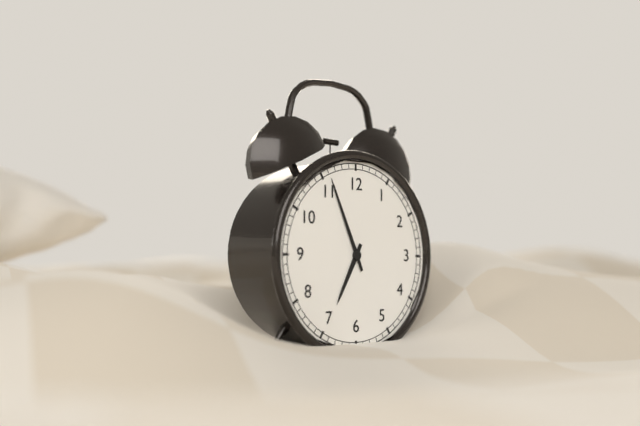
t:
6,56
